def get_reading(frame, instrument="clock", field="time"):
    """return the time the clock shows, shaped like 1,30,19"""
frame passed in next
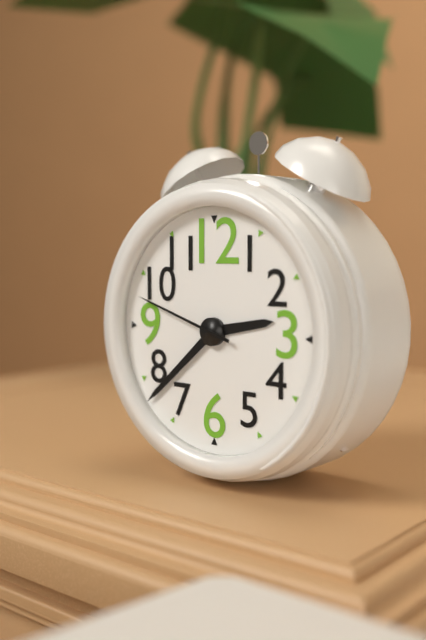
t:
2,38,48
